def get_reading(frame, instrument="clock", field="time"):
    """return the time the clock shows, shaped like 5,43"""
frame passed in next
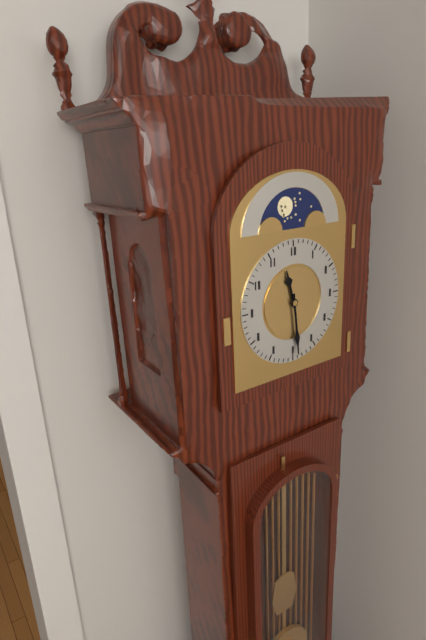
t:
11,29
